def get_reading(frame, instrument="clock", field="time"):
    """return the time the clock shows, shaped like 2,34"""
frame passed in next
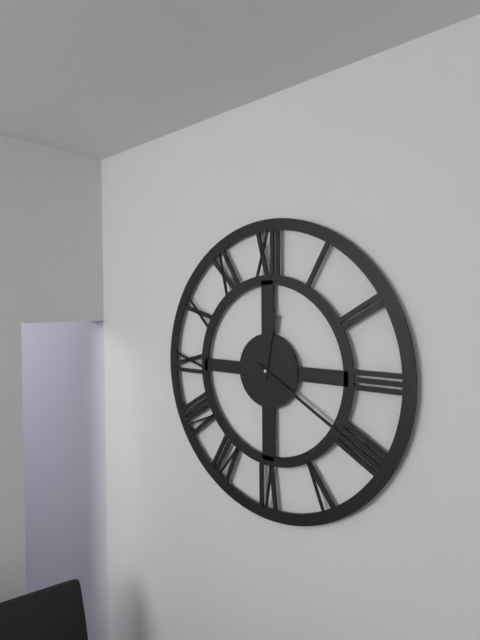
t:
12,20
